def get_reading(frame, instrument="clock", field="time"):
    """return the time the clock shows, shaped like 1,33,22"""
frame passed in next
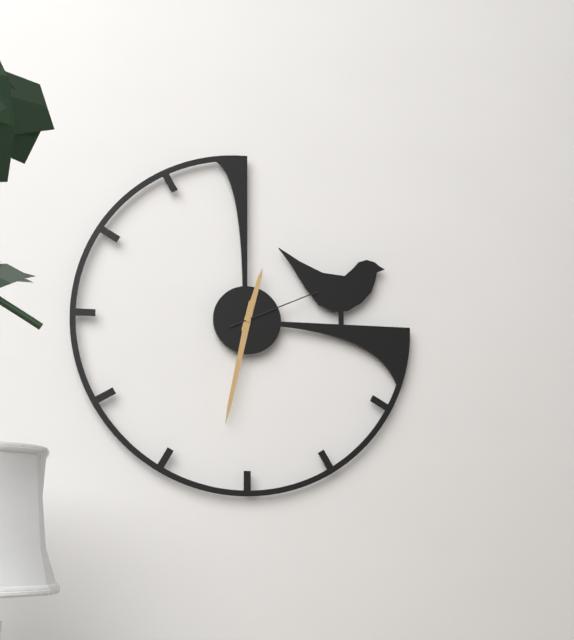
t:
12,32,11
